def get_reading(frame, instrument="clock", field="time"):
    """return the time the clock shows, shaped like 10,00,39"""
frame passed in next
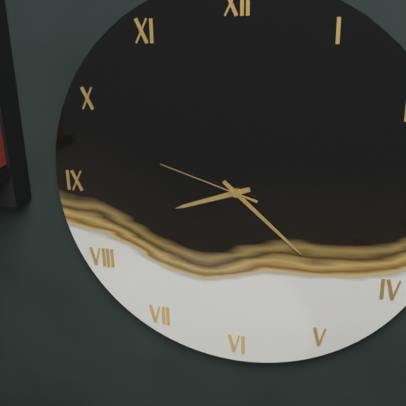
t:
8,22,48
